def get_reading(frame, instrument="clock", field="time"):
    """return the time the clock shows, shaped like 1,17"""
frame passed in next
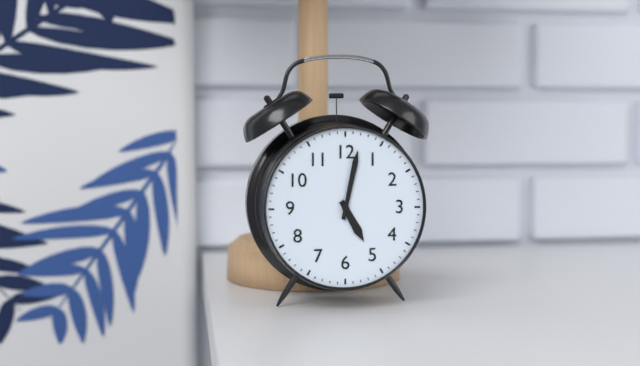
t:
5,02
